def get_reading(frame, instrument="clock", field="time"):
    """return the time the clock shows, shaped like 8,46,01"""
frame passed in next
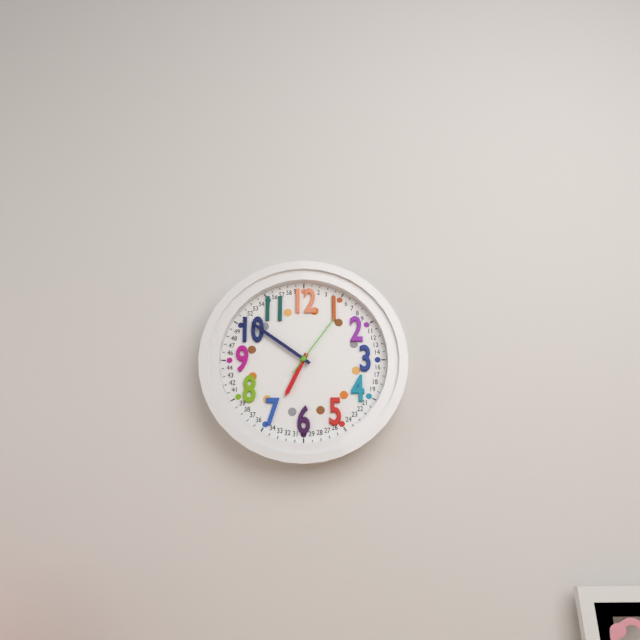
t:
6,51,06
